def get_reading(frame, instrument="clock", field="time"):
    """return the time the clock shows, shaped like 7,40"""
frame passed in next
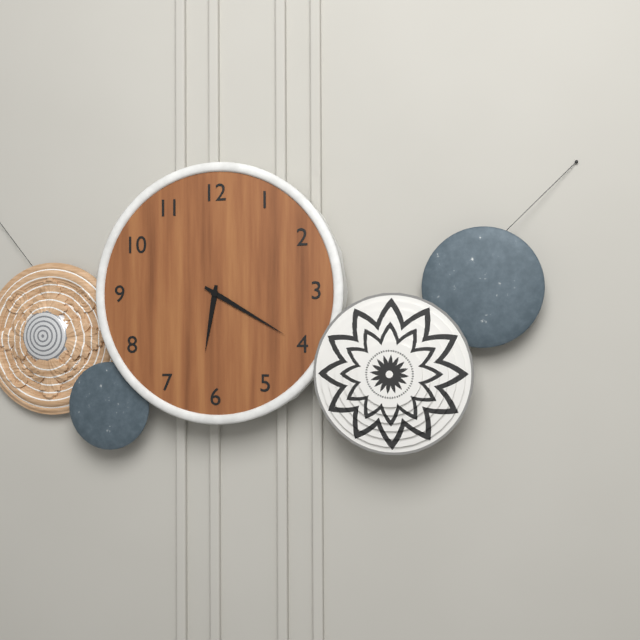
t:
6,20
